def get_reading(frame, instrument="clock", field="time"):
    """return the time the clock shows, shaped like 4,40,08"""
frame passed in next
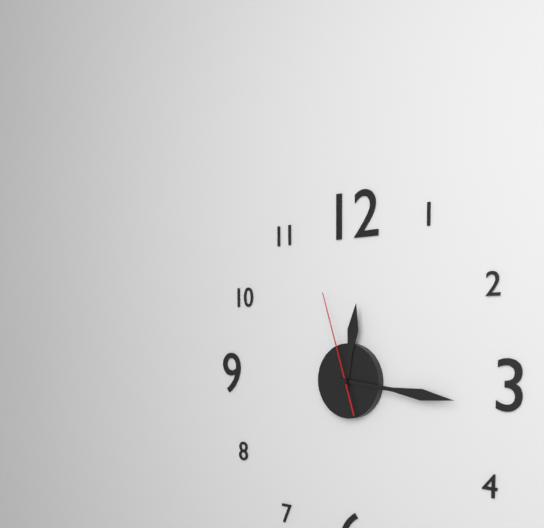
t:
12,16,57
